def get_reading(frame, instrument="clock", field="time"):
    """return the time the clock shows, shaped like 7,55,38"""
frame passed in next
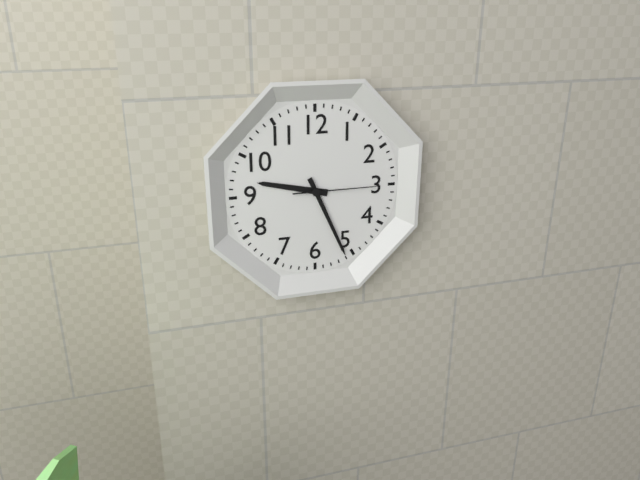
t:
9,26,15
